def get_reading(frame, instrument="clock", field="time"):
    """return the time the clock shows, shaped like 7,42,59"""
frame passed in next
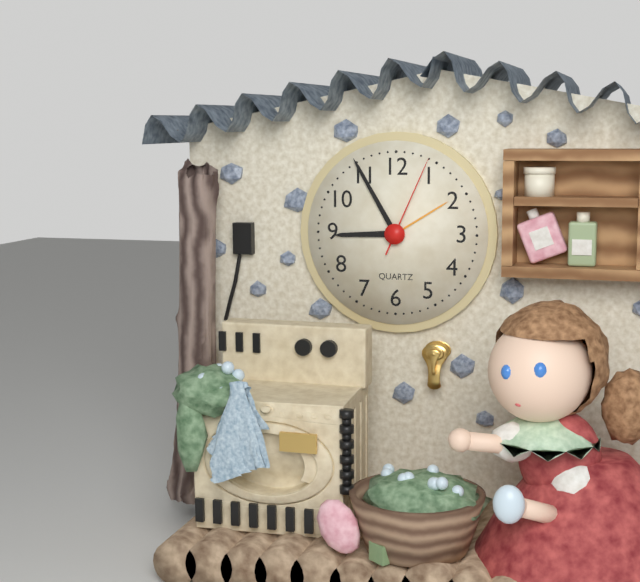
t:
8,55,04
